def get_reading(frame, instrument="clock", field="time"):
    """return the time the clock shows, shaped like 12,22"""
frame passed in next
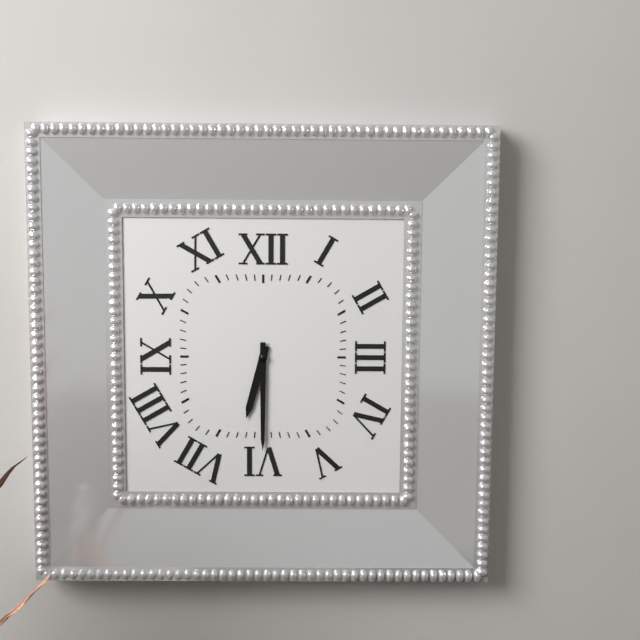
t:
6,30
